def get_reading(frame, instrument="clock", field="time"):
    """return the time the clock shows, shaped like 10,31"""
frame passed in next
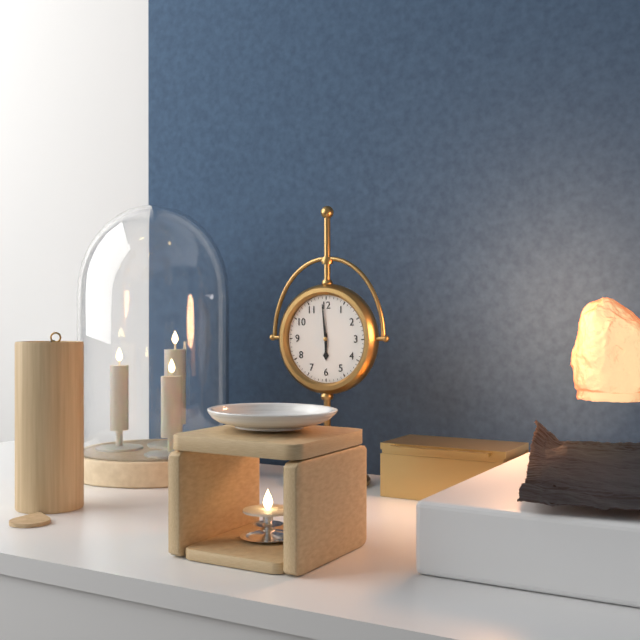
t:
5,59
